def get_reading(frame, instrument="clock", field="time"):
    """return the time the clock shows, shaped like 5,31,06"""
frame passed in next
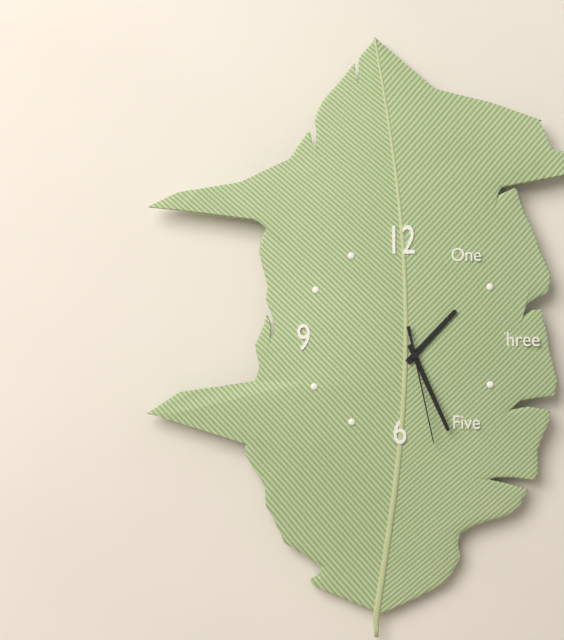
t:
1,26,28
